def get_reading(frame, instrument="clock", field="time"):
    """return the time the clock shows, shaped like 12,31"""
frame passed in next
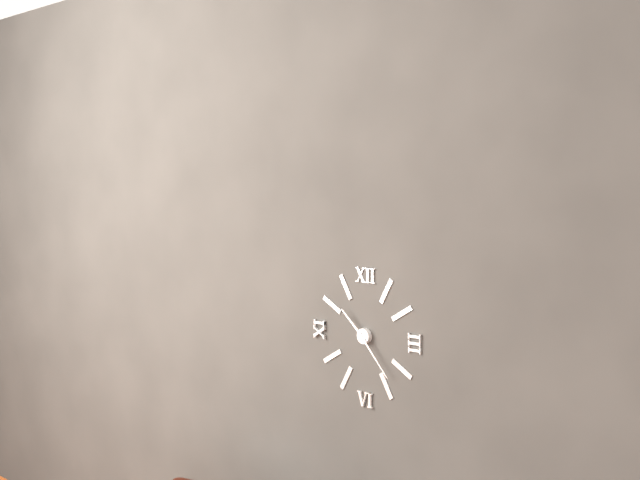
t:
10,23
